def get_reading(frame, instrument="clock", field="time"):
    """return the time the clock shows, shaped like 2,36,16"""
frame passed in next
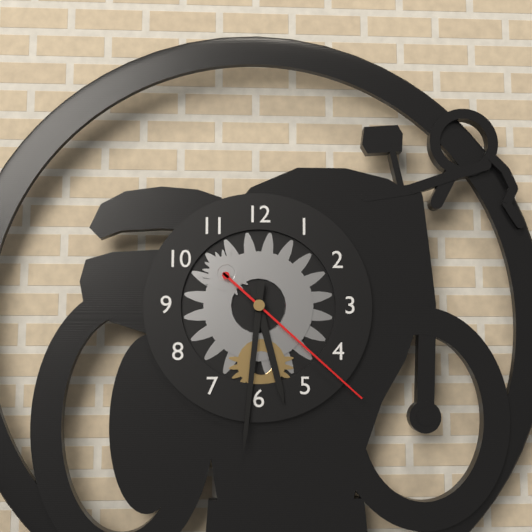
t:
5,31,22
